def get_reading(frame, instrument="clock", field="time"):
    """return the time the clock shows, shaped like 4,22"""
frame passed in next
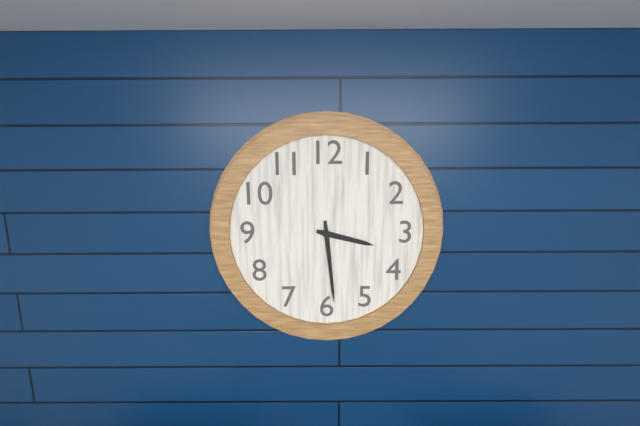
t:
3,29
